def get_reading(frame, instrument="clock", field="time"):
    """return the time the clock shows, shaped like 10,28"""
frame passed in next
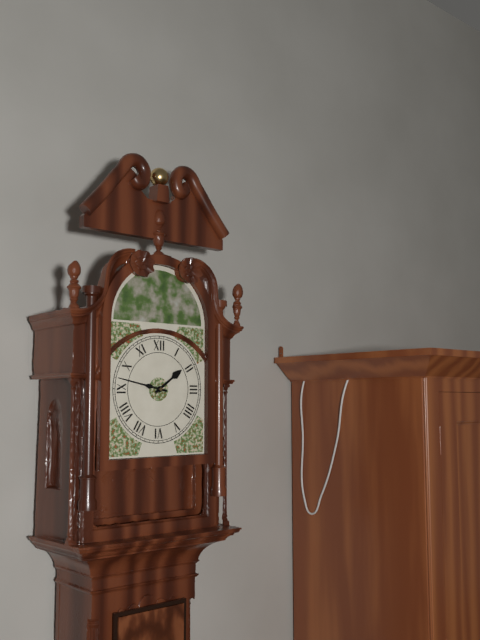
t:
1,47
